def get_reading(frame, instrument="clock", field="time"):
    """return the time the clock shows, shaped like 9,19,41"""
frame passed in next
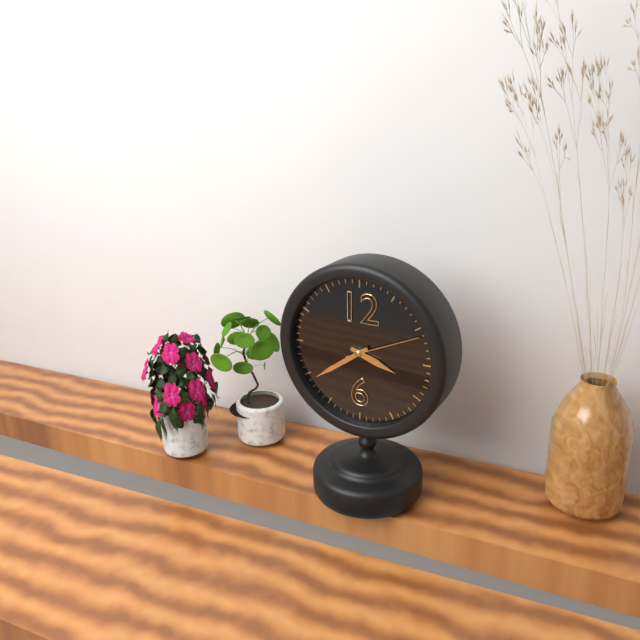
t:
3,39,11
